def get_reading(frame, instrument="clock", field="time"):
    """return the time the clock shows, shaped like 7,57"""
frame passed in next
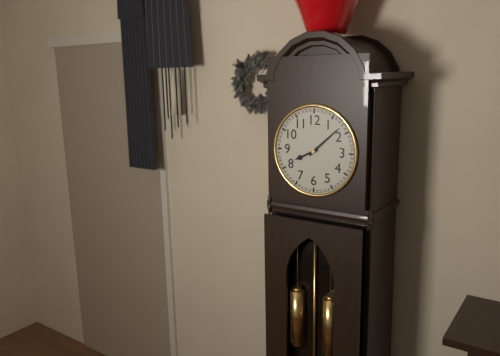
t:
8,08
